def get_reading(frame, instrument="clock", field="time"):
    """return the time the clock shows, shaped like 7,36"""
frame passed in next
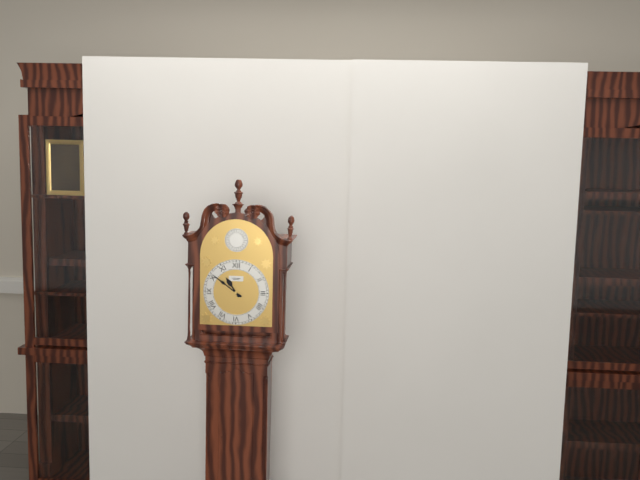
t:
10,51
